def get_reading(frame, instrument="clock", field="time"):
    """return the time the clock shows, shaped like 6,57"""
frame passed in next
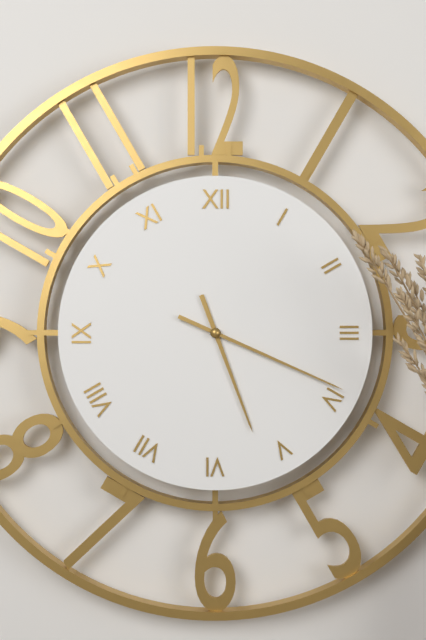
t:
5,19
